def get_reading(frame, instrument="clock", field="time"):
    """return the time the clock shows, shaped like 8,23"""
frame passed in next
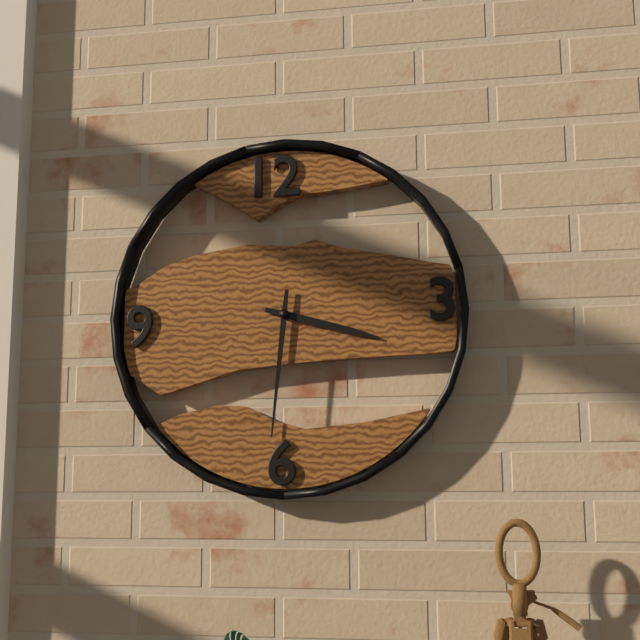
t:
3,31
